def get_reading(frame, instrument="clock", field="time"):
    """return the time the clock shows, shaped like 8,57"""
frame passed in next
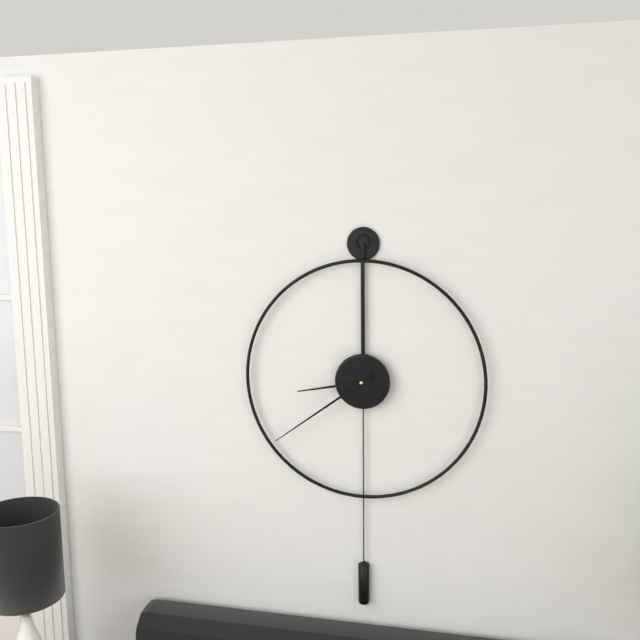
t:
8,39
